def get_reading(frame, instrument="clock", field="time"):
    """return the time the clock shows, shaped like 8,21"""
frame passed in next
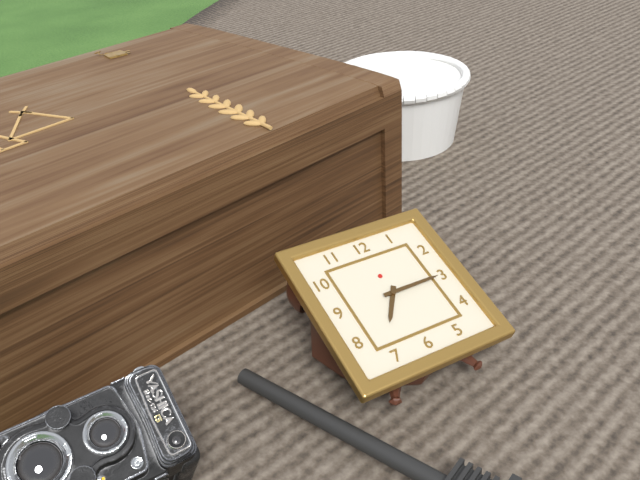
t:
7,15
